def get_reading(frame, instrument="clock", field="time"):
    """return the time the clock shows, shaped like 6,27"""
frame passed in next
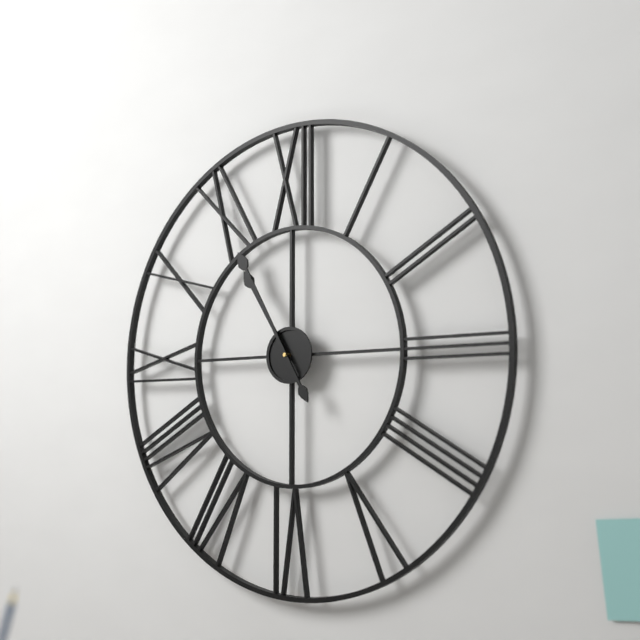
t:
10,55
